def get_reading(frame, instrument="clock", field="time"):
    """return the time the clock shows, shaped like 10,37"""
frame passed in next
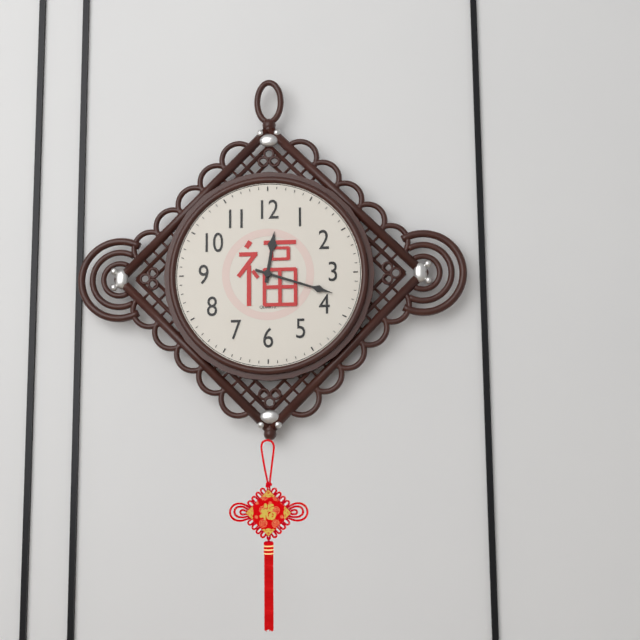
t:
12,18
